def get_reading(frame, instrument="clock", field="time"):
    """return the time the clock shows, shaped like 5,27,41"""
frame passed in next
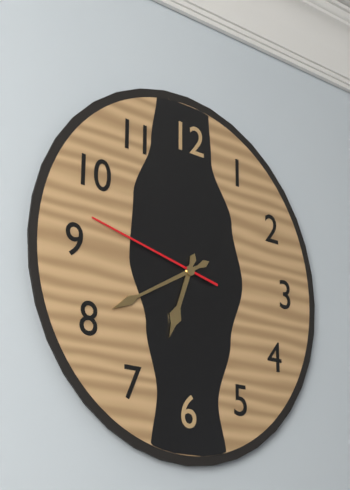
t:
6,40,47
